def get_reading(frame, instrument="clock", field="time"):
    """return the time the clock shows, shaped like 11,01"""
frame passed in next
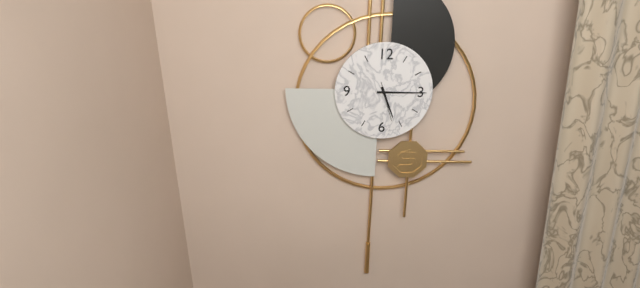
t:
5,15
